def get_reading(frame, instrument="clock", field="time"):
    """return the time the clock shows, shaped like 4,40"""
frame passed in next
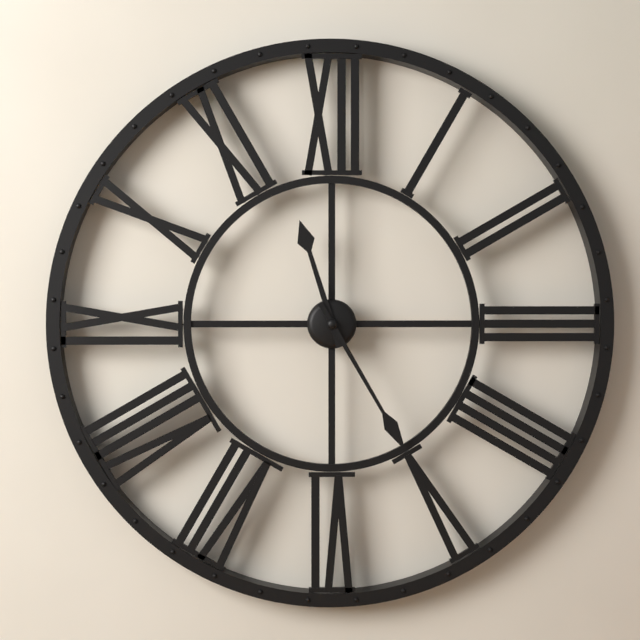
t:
11,25
